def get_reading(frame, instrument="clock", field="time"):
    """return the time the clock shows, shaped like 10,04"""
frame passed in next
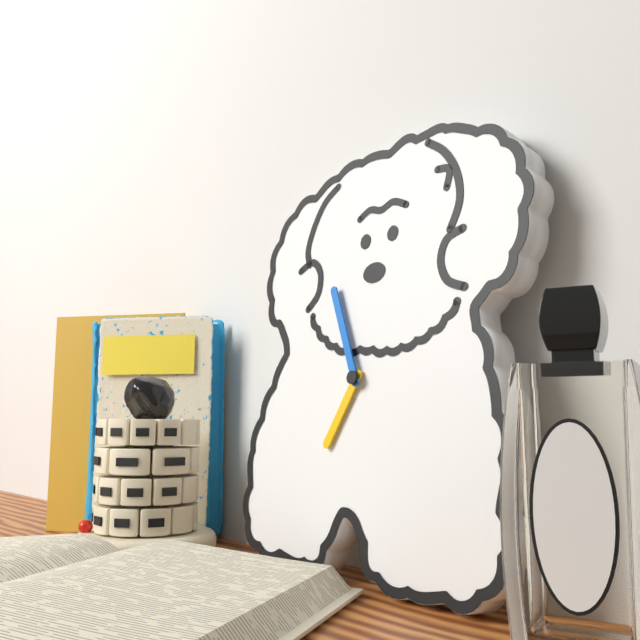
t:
6,56
